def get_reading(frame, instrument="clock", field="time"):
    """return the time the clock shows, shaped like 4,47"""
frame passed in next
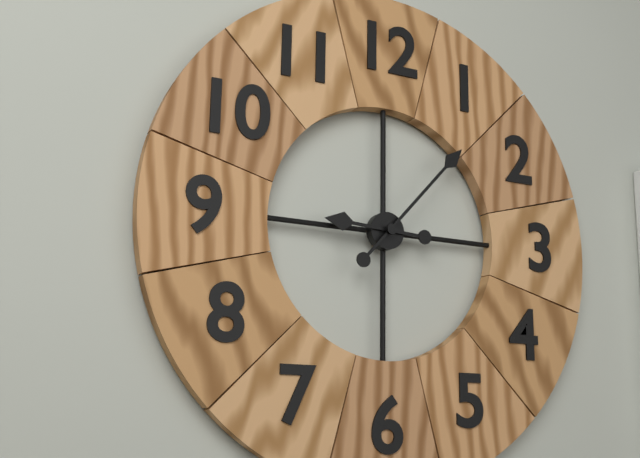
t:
9,07
